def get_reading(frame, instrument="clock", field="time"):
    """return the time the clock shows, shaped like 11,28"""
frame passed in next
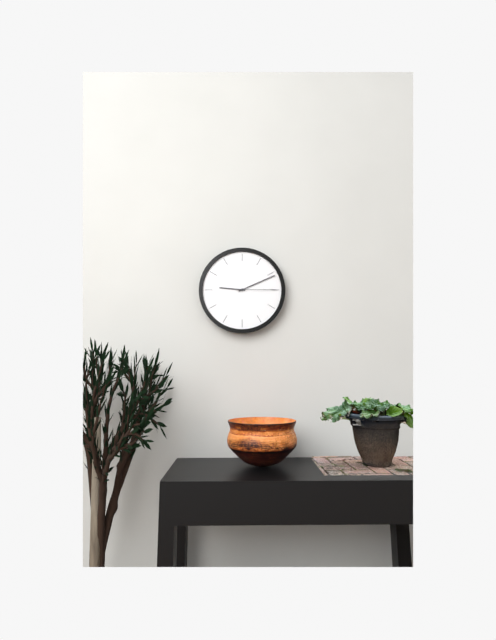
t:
9,11
